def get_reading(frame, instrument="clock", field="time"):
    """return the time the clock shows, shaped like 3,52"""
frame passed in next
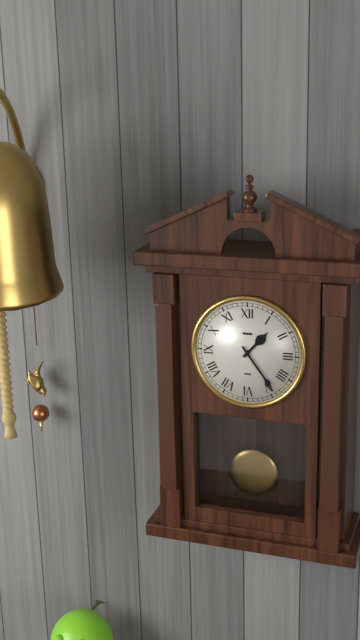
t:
1,24
